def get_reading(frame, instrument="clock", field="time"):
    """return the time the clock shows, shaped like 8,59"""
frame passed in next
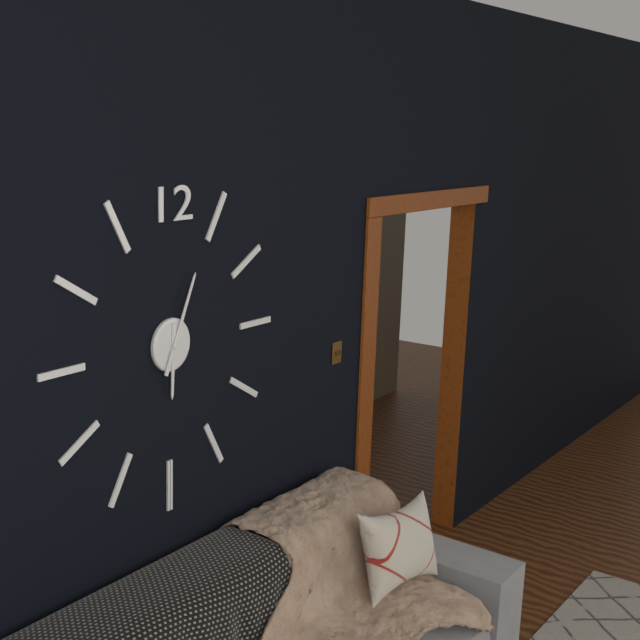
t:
6,04
